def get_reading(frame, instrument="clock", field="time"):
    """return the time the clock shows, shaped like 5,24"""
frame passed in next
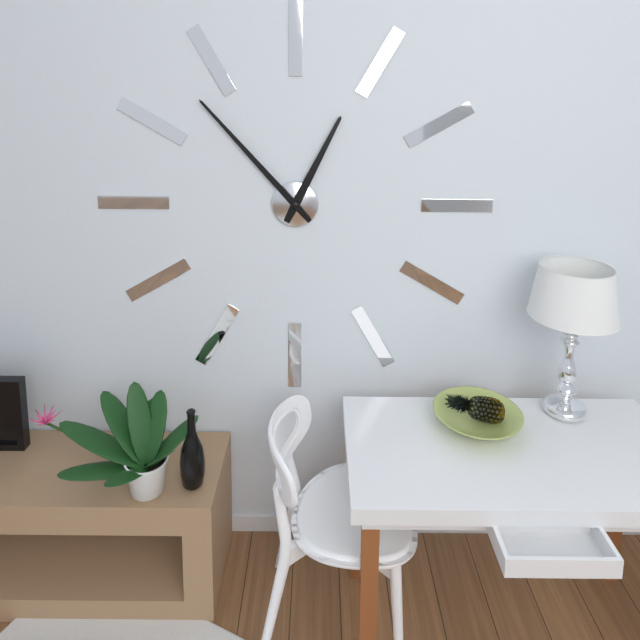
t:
12,53
